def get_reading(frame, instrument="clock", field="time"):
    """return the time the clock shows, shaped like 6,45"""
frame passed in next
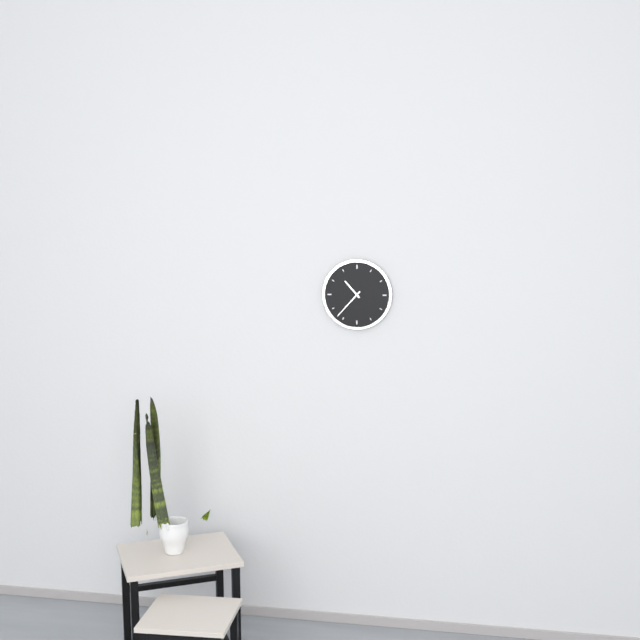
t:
10,37
